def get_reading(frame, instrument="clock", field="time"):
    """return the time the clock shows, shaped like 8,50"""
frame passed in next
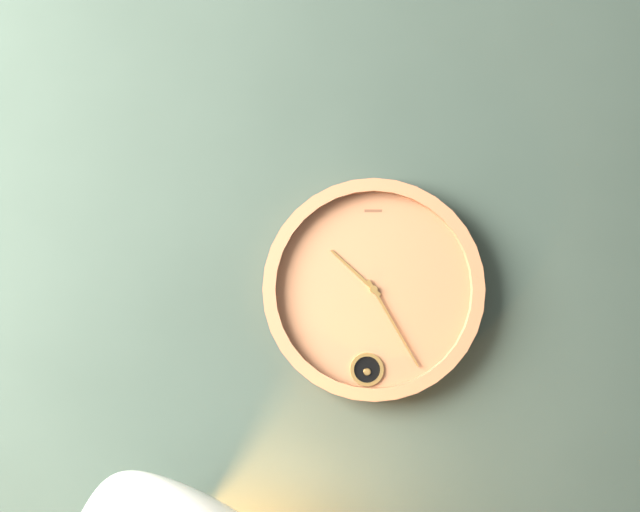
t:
10,25
